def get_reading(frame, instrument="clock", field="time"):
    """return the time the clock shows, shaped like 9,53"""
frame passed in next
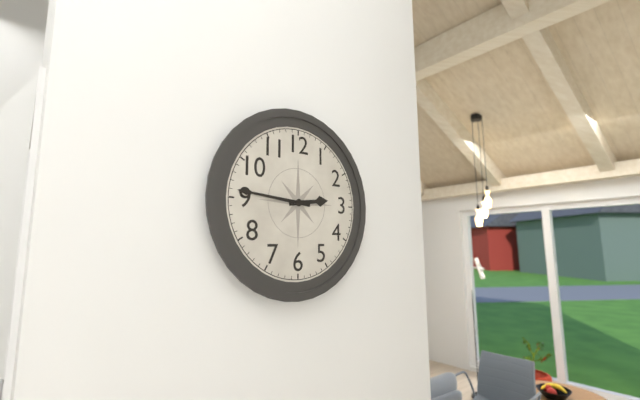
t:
2,46
